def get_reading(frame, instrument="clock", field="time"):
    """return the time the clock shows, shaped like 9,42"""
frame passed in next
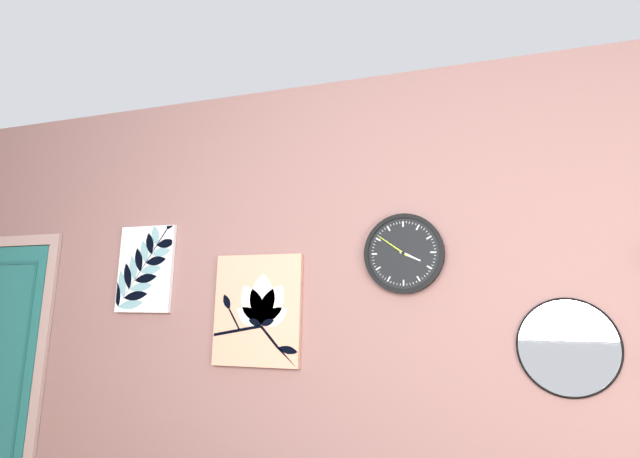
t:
3,51
